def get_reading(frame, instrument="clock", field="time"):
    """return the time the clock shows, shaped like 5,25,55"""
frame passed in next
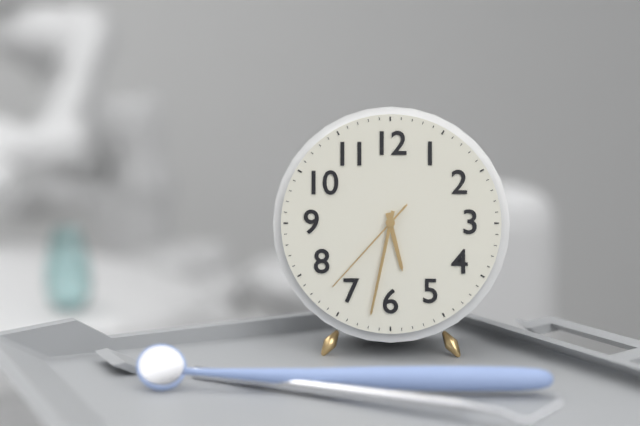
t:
5,32,37
